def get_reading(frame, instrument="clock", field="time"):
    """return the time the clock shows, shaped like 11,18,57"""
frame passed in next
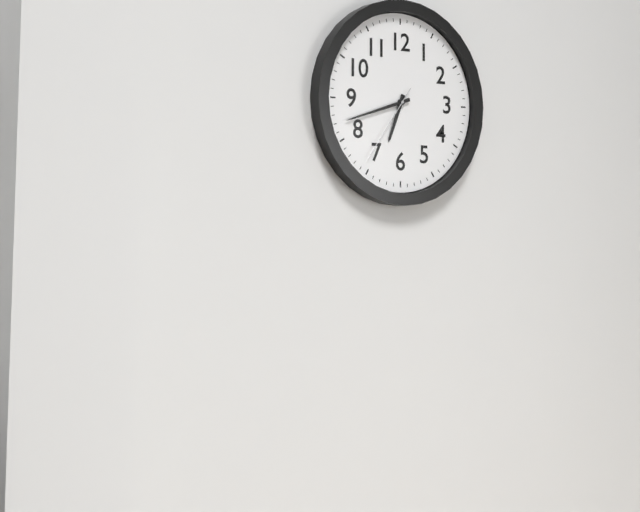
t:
6,42,36
